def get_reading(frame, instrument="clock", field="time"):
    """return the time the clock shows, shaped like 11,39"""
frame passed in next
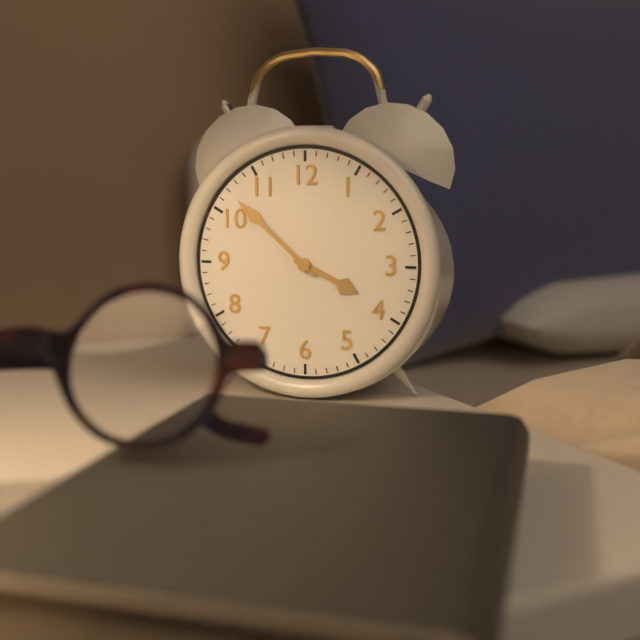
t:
3,52
